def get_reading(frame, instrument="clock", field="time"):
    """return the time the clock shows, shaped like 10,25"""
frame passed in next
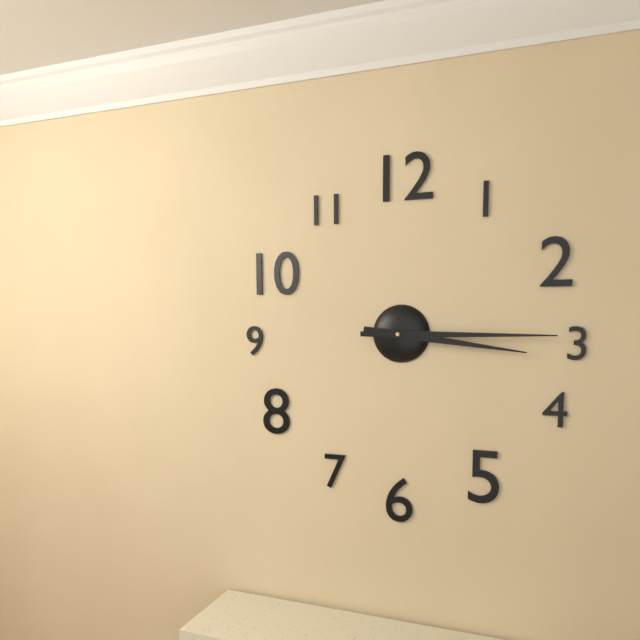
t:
3,15
